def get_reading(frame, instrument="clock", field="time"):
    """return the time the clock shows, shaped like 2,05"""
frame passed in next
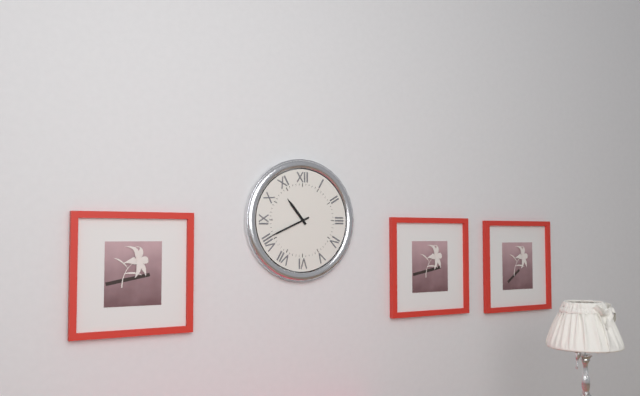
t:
10,41
